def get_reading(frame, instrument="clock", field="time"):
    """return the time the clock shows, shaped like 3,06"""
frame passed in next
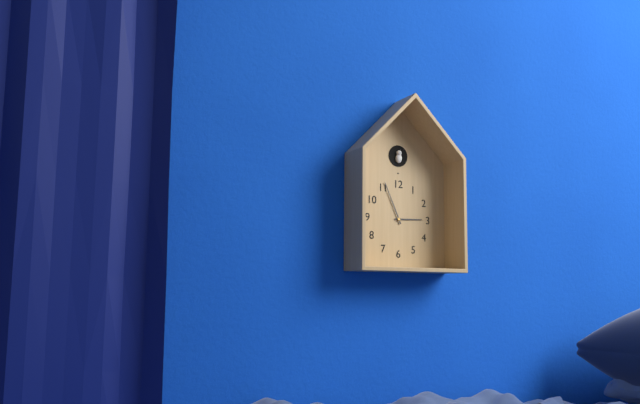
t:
2,56
